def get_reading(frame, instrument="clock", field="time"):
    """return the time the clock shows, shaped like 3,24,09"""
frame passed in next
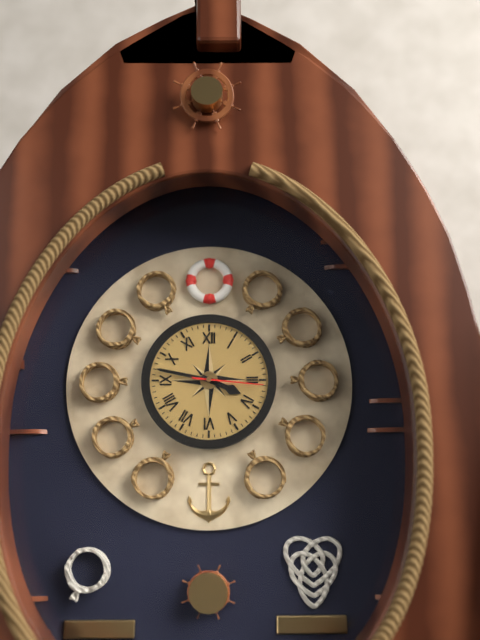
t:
3,47,16
